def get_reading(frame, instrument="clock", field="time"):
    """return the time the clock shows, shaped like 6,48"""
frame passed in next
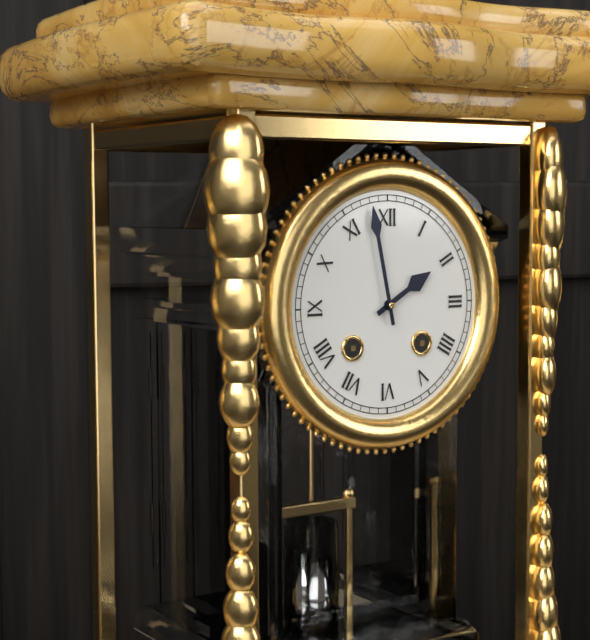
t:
1,58
